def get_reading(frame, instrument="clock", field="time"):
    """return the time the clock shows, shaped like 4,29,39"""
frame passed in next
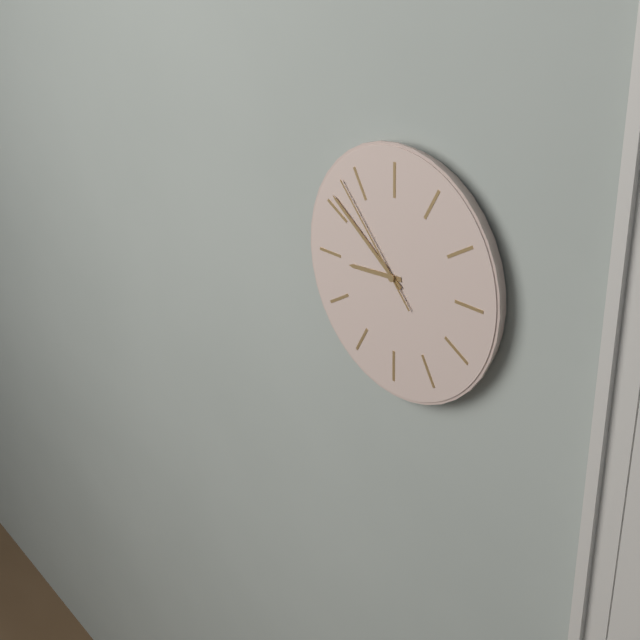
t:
8,51,53
